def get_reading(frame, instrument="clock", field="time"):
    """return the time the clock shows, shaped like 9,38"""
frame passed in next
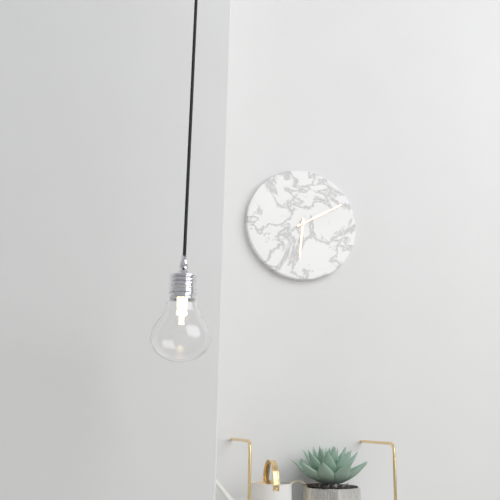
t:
6,10
